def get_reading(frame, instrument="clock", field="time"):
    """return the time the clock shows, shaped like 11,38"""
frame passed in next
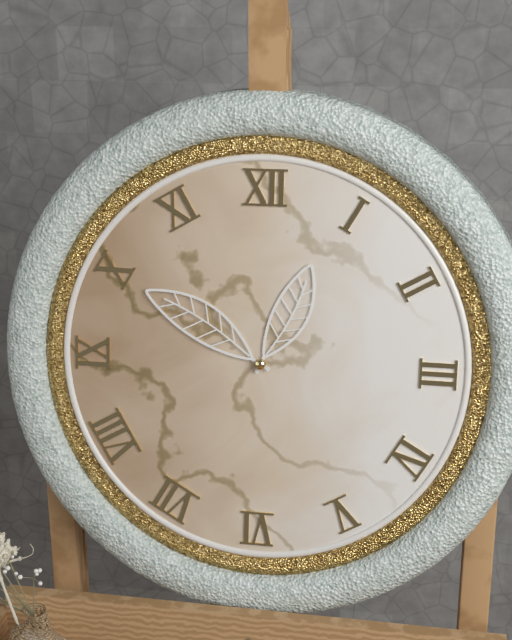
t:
12,50
